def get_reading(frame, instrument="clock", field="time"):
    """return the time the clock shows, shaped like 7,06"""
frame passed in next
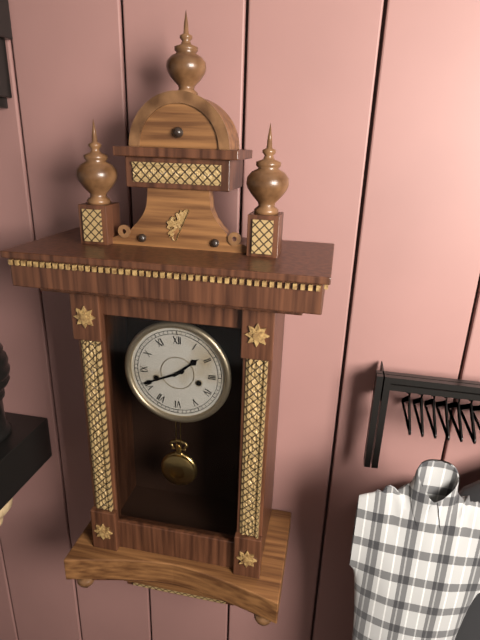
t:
1,41
